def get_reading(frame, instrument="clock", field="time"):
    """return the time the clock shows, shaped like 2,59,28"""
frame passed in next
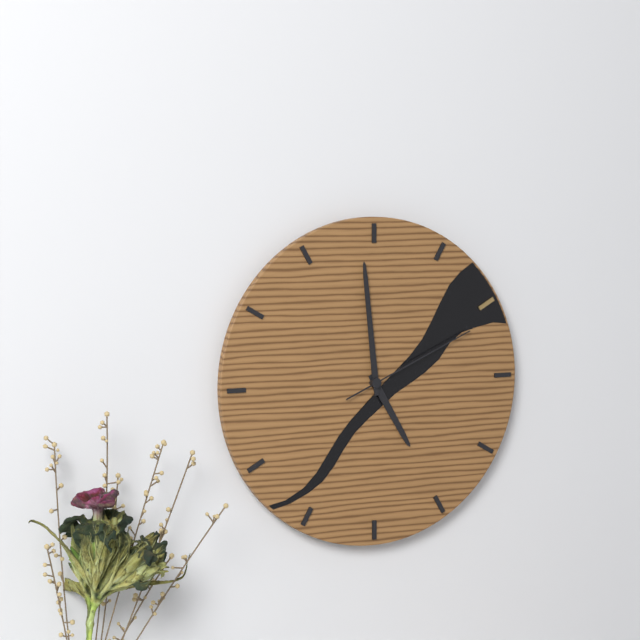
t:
4,59,11
